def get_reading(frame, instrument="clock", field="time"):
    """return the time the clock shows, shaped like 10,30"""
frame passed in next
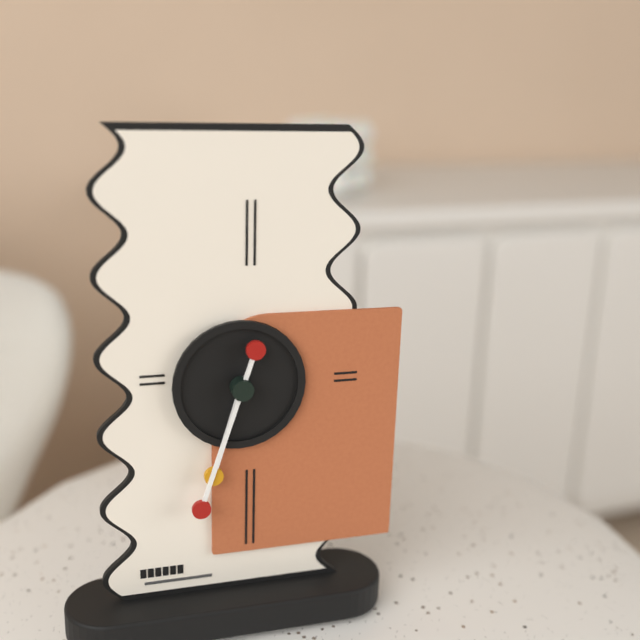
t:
6,33
